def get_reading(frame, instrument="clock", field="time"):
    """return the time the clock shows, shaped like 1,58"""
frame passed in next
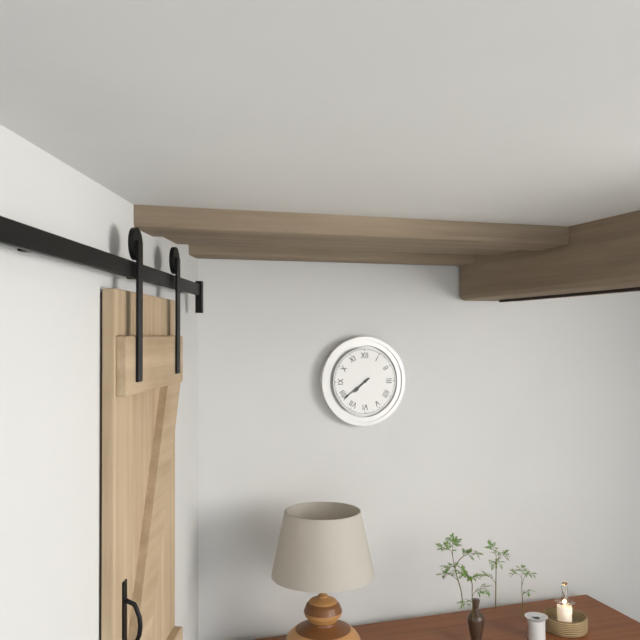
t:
7,39
